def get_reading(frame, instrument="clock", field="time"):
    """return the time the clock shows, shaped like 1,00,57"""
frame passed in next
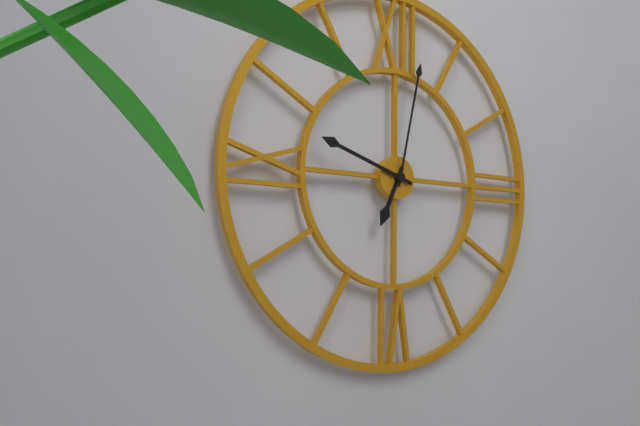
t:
6,48,02
